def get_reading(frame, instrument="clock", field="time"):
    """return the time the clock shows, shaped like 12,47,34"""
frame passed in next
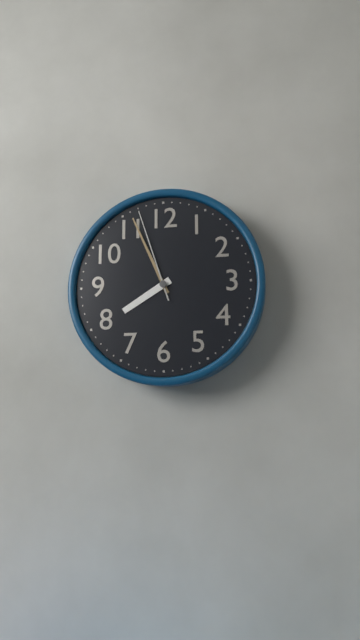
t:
7,56,57
